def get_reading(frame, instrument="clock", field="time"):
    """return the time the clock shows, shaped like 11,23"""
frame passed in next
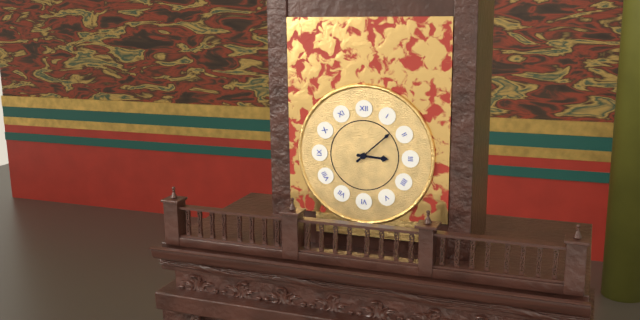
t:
3,08
